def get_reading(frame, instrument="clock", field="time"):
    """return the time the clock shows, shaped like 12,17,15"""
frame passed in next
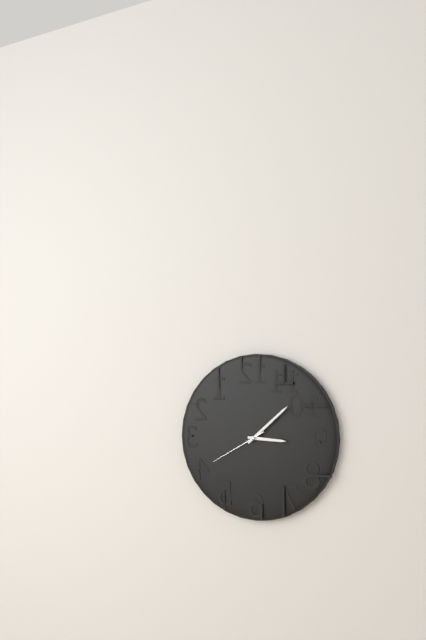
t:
3,08,40
